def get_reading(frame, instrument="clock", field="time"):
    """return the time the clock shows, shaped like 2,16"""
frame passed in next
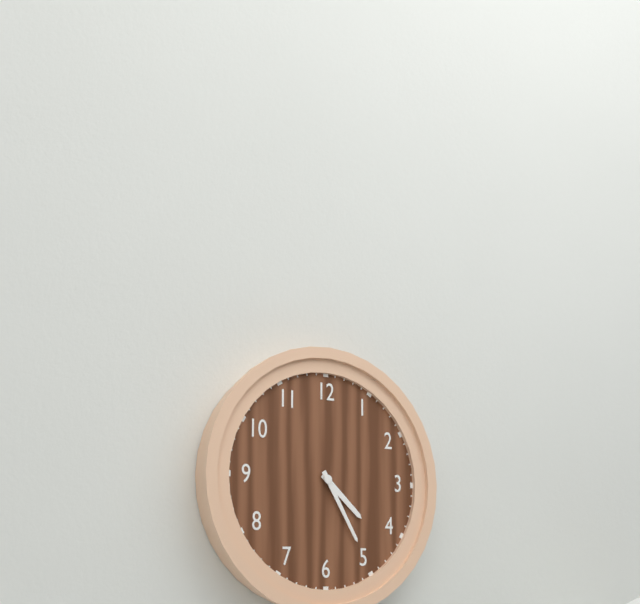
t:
4,25
